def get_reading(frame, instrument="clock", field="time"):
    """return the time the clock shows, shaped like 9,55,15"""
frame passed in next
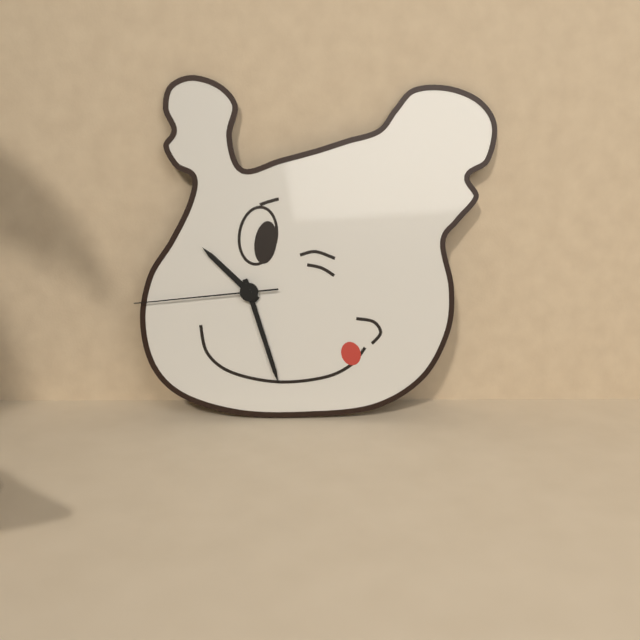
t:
10,27,44
